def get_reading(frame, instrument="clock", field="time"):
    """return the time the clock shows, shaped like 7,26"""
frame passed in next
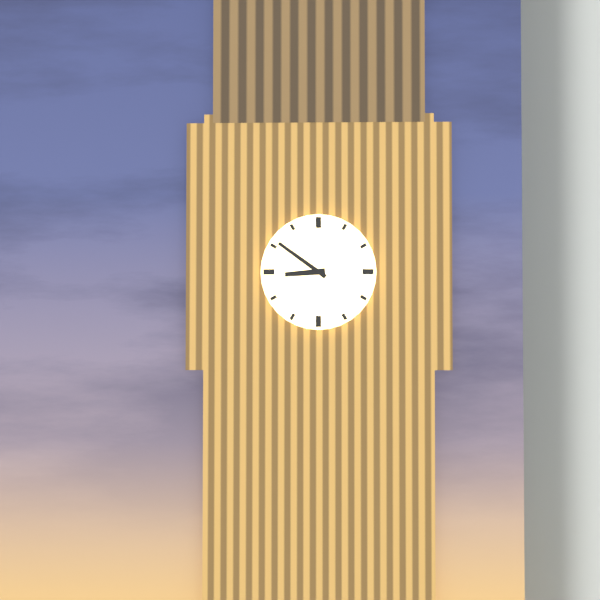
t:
8,51
